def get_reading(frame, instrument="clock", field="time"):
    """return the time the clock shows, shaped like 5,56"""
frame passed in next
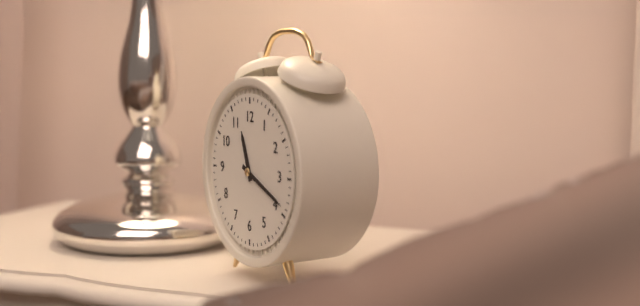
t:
11,19
